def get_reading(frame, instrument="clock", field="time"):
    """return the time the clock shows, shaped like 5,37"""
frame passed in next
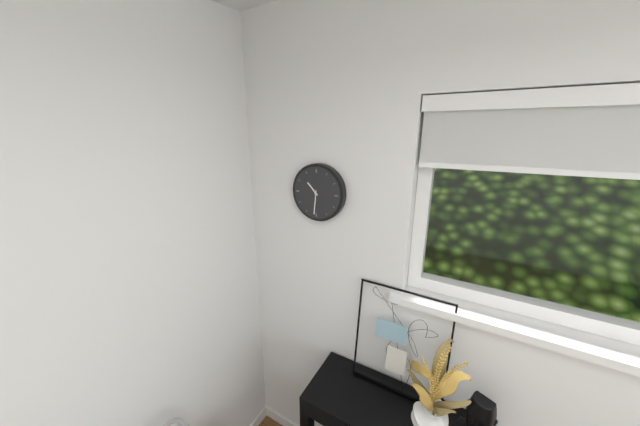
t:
10,31
